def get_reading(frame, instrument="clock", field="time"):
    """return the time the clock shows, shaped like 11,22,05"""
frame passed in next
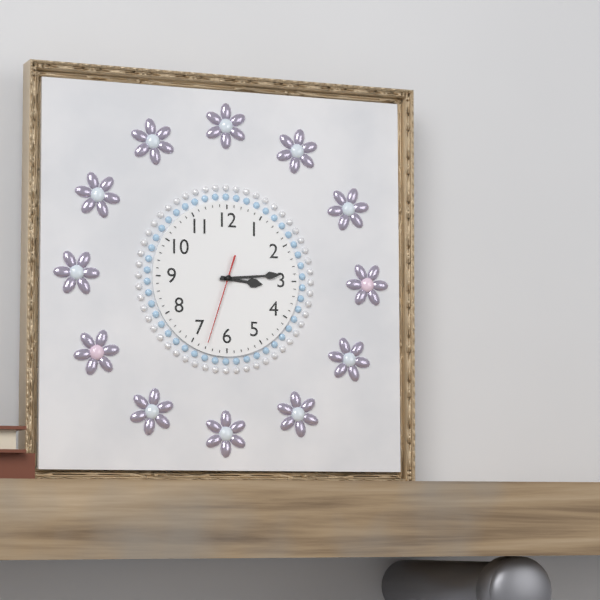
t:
3,14,33
